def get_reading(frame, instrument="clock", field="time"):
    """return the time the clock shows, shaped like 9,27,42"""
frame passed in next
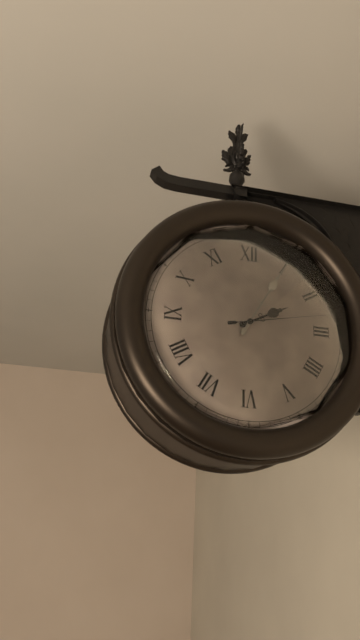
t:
2,05,13
